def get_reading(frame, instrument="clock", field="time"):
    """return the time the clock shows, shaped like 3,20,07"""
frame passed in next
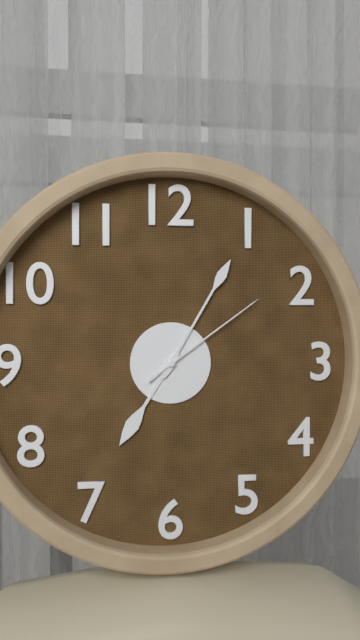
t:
7,05,09
